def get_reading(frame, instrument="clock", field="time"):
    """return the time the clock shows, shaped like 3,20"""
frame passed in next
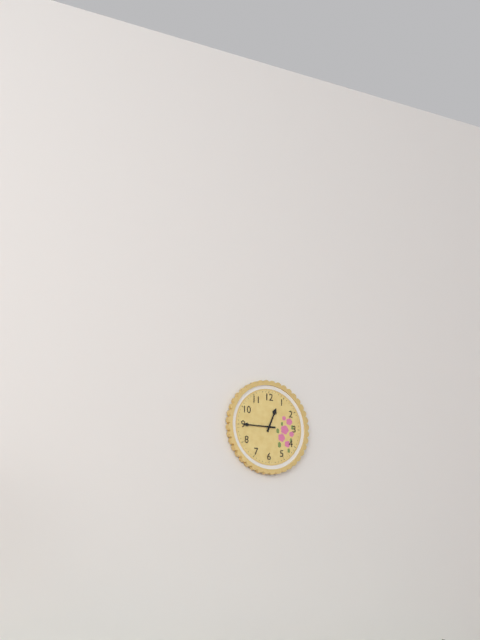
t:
12,45
